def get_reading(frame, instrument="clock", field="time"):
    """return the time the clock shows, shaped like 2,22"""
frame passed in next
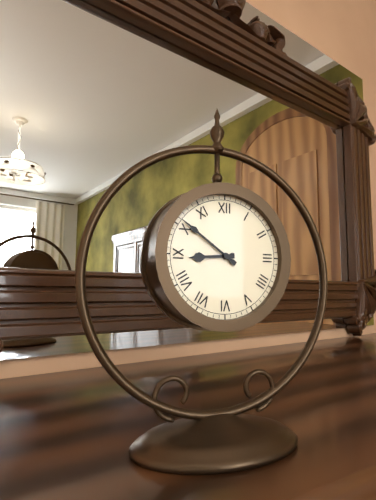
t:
8,51
